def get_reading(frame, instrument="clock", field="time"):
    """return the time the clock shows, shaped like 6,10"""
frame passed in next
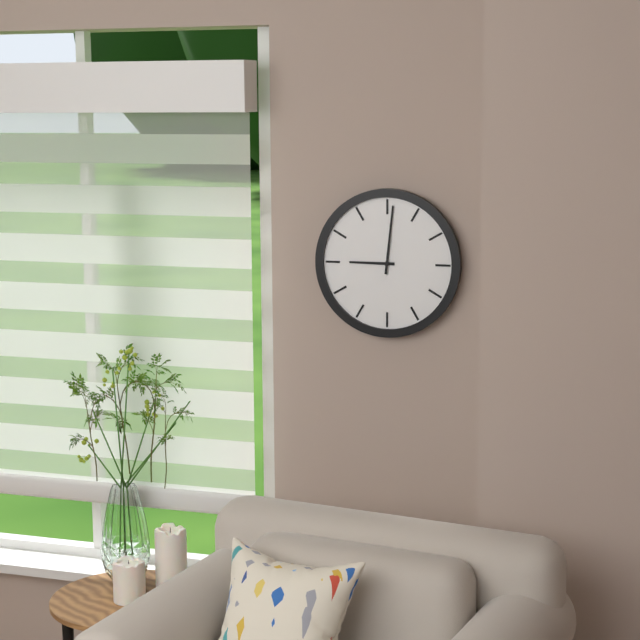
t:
9,01
